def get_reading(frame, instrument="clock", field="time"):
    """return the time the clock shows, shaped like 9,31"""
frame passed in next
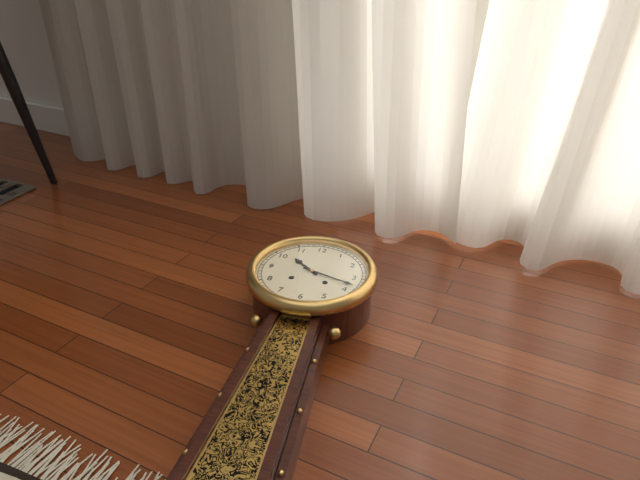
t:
10,18
